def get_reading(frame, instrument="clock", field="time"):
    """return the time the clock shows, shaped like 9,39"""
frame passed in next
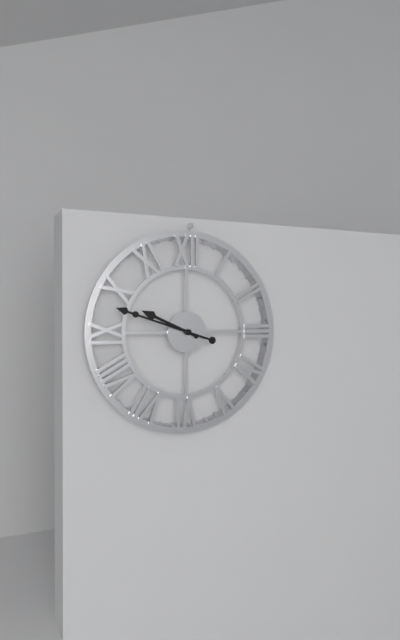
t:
9,48
